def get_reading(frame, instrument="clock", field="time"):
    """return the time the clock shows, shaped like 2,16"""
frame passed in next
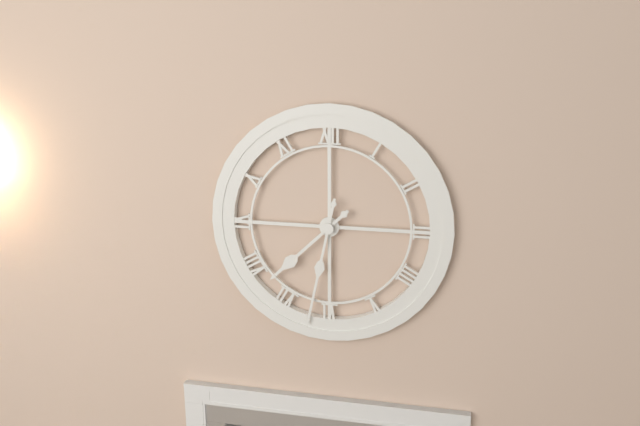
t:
7,32
